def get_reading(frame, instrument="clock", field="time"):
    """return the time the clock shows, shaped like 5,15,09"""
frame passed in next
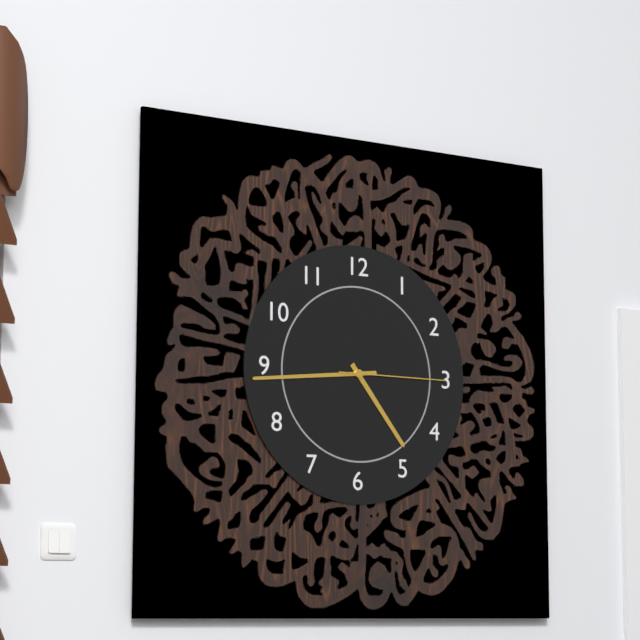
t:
4,44,15
